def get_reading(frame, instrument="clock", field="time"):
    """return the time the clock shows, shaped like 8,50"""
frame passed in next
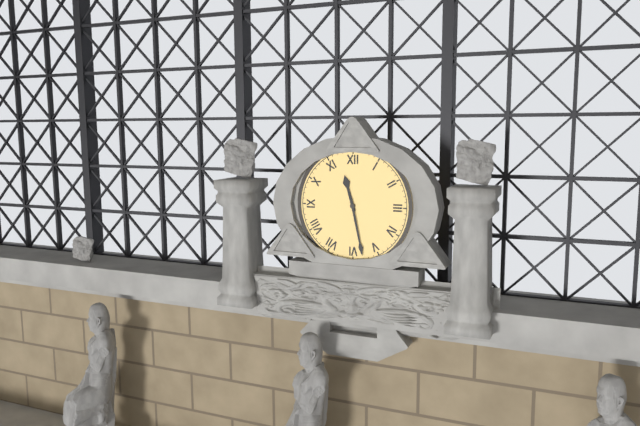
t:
11,28
